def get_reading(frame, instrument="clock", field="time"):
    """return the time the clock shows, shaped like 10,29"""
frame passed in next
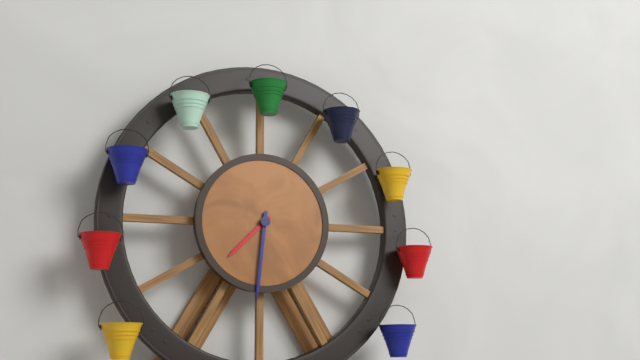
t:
7,31
